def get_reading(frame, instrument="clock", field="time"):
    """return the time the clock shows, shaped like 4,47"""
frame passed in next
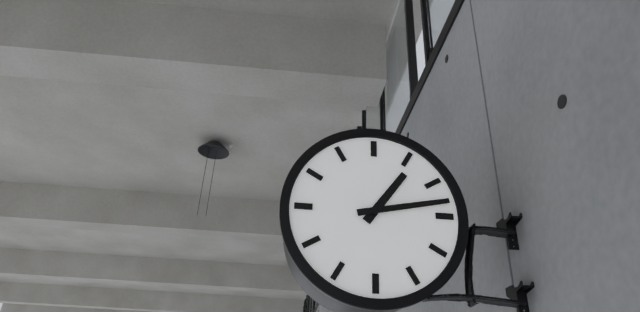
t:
1,13
